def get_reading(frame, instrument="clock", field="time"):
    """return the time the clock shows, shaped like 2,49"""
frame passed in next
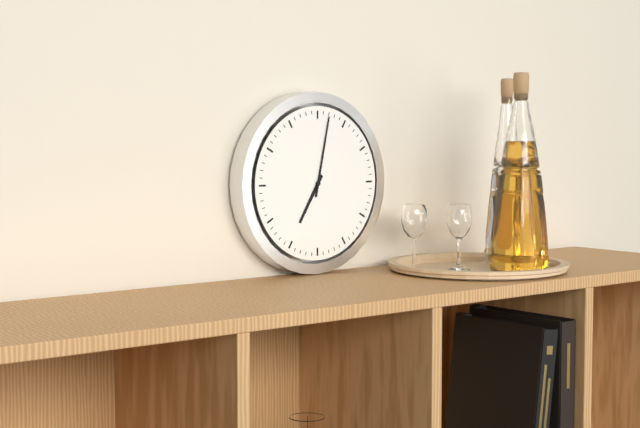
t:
7,02
